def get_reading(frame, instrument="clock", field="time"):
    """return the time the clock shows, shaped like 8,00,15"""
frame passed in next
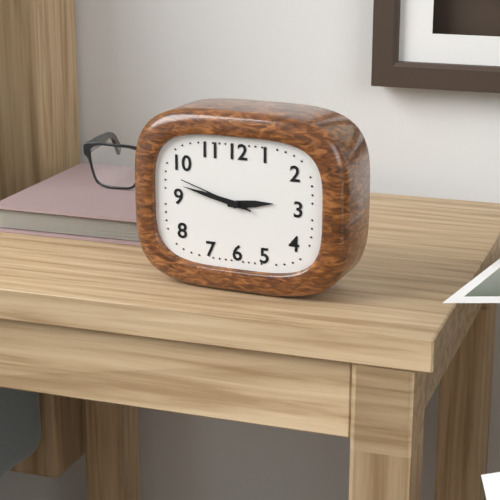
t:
2,47,48
